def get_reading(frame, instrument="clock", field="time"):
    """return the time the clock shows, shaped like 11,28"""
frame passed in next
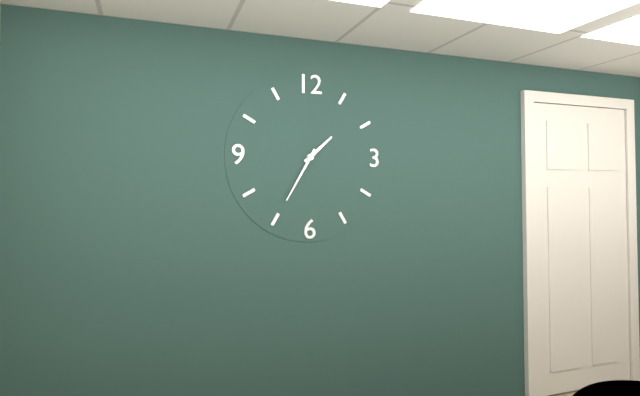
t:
1,35
